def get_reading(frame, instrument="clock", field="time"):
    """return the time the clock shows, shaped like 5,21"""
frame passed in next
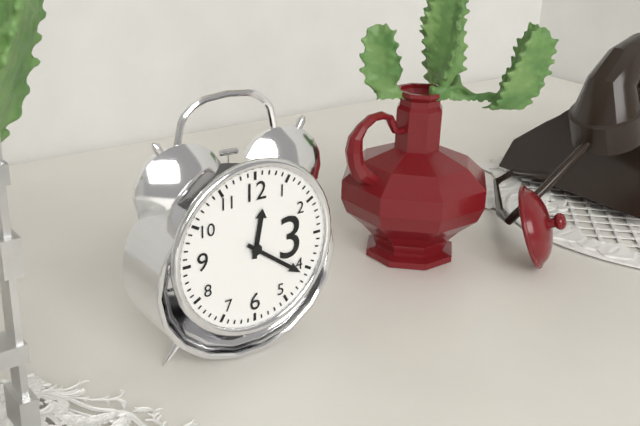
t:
12,21
